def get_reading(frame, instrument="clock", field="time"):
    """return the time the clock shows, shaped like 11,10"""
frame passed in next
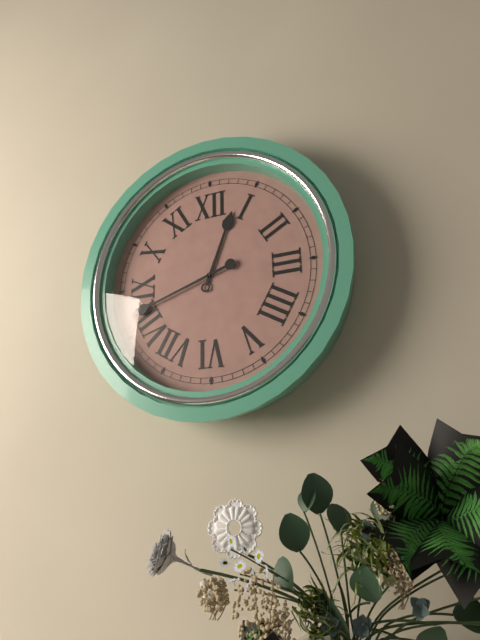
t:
12,42
